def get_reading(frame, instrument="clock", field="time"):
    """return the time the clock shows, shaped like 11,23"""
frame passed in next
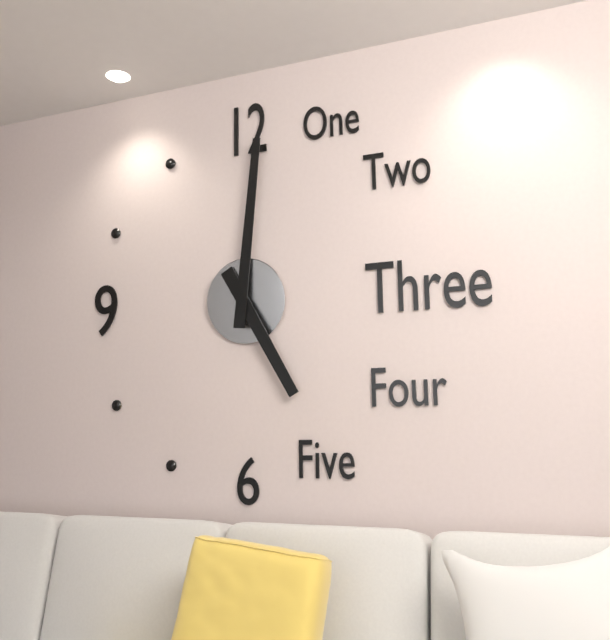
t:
5,01
